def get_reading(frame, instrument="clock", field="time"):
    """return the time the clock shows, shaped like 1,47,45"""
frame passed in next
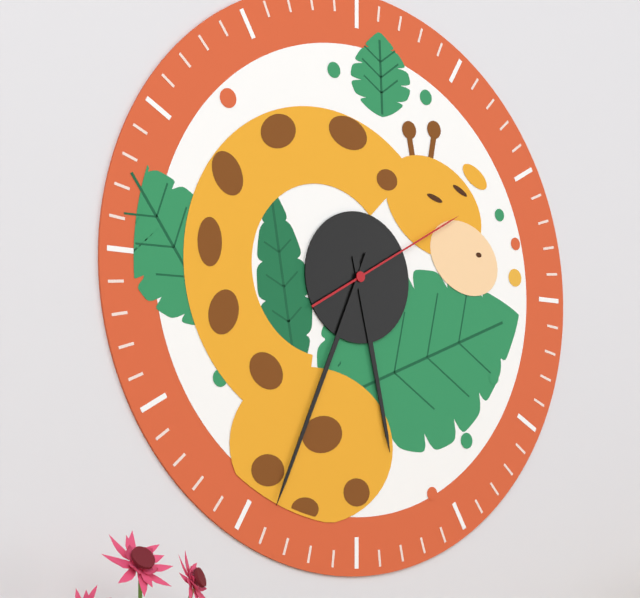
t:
5,34,10
